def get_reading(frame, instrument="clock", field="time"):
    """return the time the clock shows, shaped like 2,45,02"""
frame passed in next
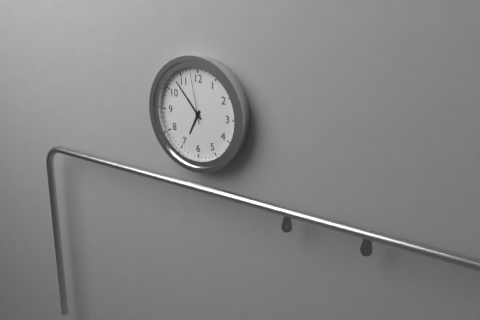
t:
6,53,58
